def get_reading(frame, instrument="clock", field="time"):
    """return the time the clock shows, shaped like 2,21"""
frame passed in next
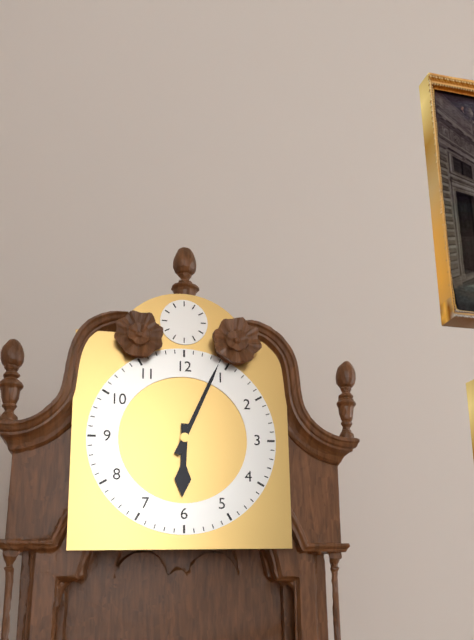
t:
6,04
